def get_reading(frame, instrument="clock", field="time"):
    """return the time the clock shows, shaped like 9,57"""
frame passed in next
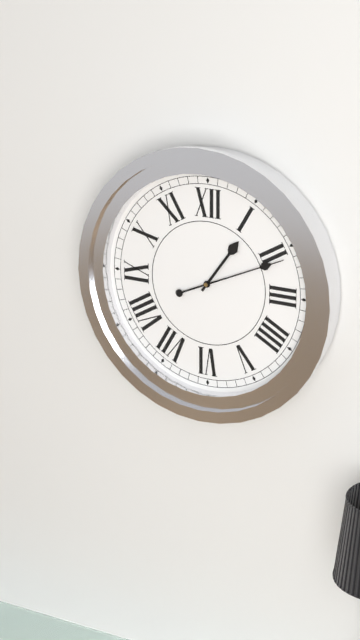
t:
1,11
